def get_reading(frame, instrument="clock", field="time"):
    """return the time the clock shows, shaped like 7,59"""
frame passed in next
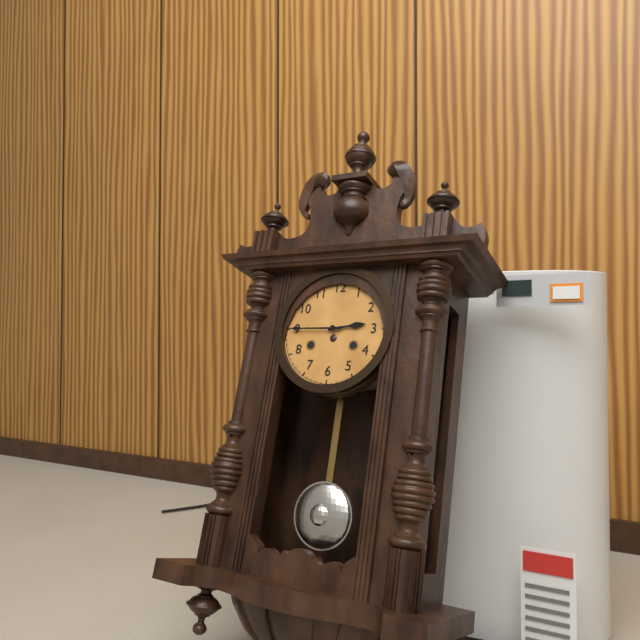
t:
2,45
